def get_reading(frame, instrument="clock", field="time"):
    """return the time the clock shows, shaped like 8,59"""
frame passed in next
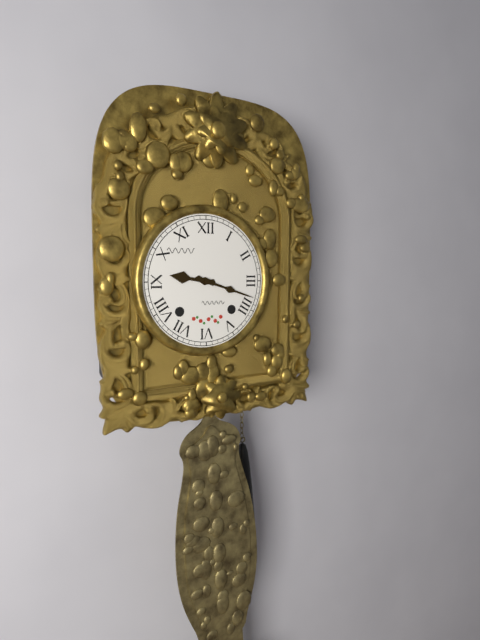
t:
9,18
